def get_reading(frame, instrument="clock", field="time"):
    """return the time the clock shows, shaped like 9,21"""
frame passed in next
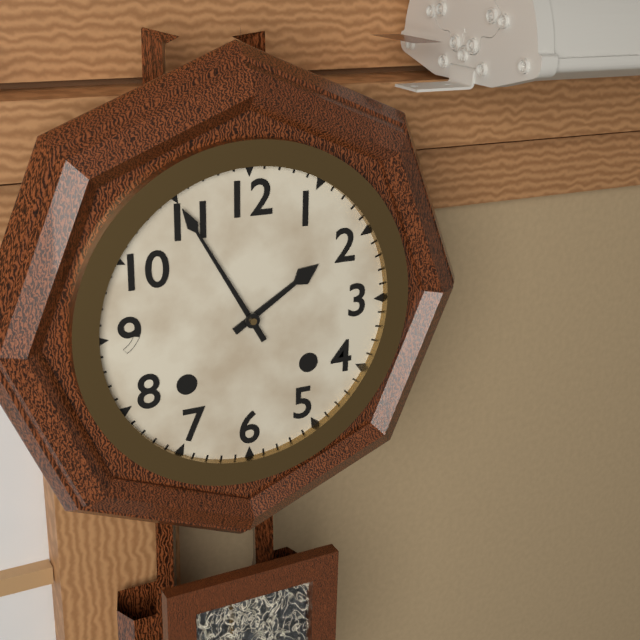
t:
1,55
